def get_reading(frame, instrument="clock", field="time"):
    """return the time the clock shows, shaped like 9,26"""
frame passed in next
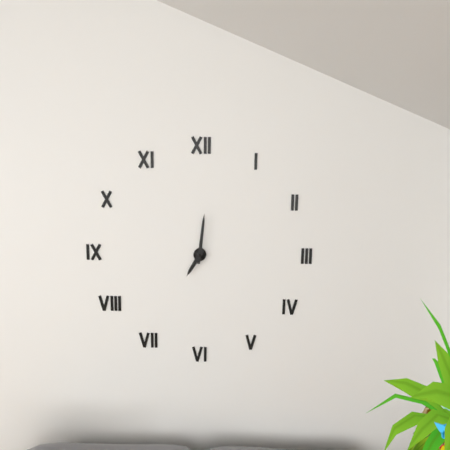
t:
7,01
